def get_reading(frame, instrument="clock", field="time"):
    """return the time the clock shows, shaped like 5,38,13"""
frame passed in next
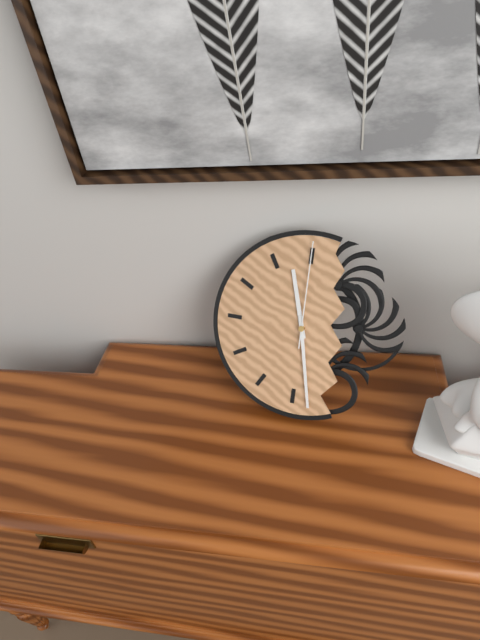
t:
11,28,00
